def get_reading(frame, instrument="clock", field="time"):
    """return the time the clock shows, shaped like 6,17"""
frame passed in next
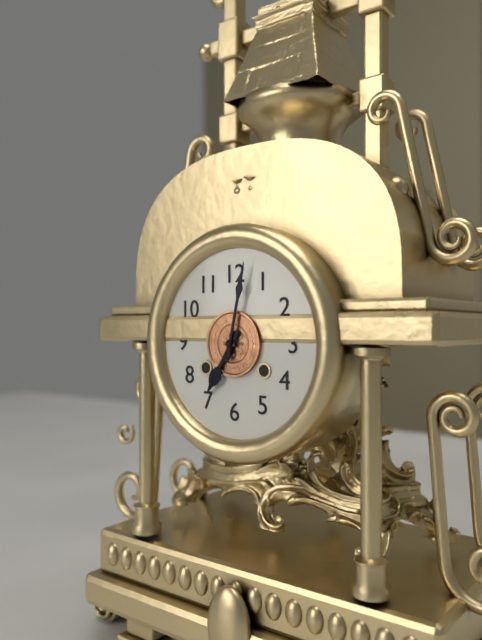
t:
7,02
